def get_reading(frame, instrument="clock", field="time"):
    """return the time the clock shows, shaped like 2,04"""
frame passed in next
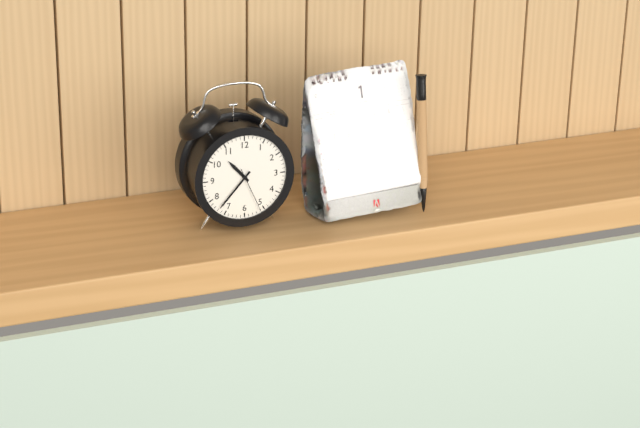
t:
10,37
